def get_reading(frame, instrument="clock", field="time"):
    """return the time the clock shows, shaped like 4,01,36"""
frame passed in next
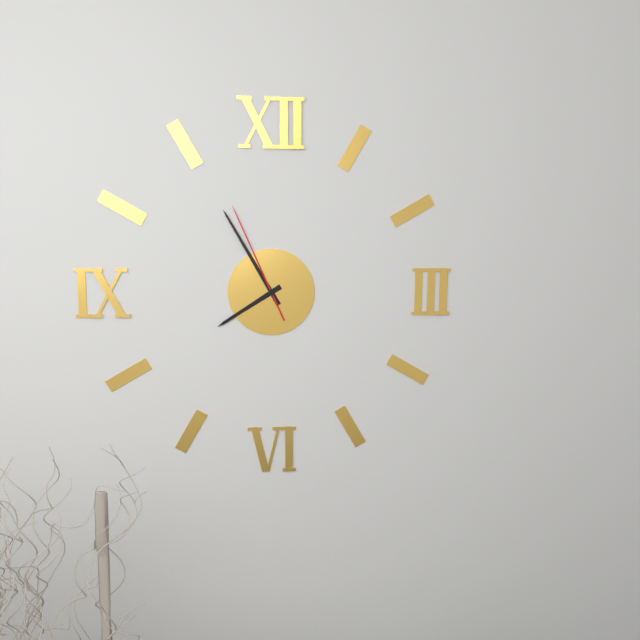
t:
7,55,56
